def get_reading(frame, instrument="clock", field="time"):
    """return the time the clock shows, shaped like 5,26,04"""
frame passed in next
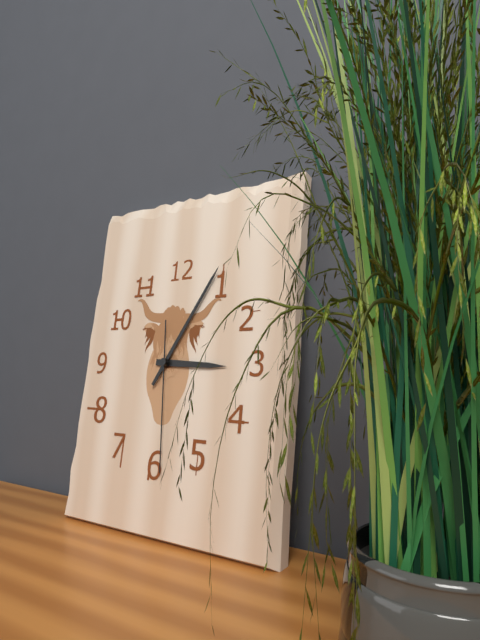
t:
3,05,29
